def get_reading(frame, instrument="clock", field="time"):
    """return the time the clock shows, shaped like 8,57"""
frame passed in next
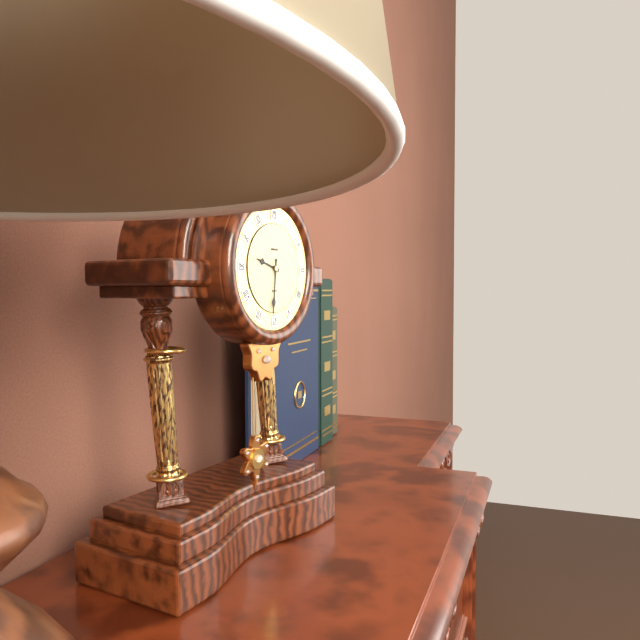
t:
9,31
